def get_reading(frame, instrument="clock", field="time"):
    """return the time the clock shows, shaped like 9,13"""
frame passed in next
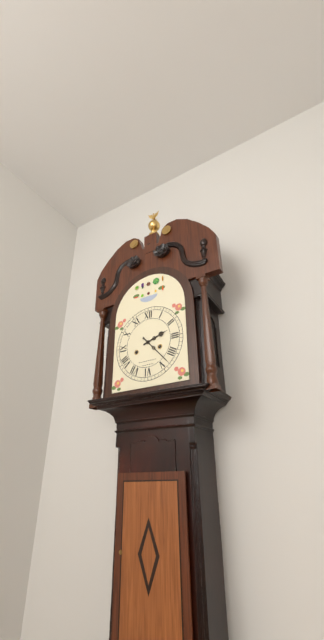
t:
2,23
